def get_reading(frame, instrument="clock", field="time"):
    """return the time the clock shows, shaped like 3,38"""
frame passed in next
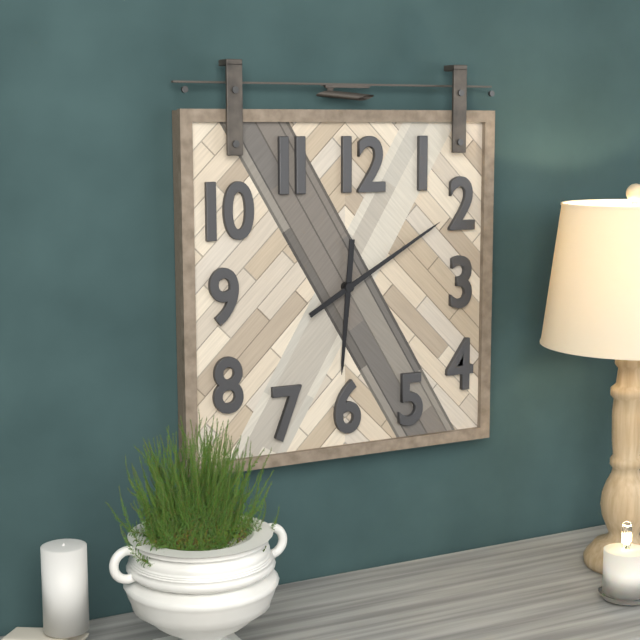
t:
6,10
